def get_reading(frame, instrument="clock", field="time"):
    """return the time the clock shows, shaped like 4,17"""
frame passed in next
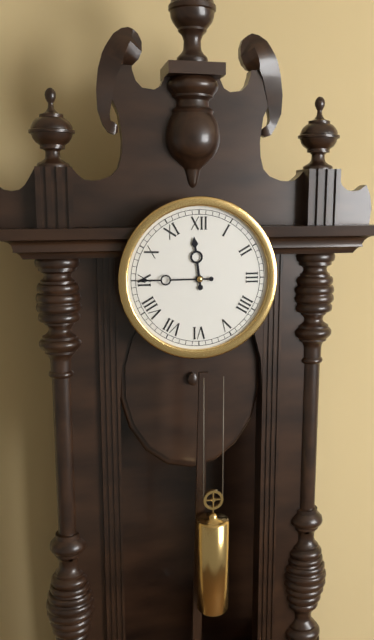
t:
11,45
